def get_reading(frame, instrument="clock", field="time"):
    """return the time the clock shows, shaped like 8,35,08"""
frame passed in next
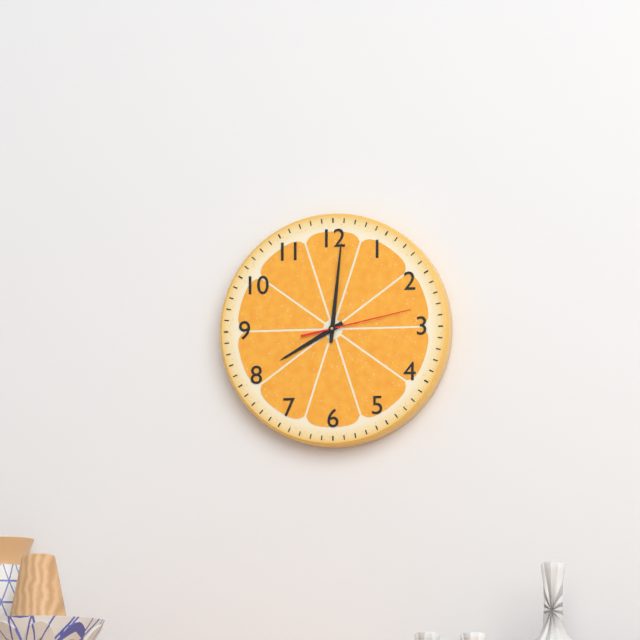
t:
8,01,13
